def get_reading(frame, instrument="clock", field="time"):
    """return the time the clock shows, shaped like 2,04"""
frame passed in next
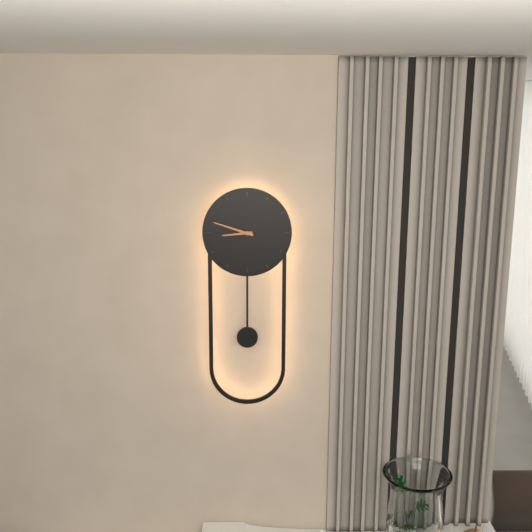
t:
8,48
